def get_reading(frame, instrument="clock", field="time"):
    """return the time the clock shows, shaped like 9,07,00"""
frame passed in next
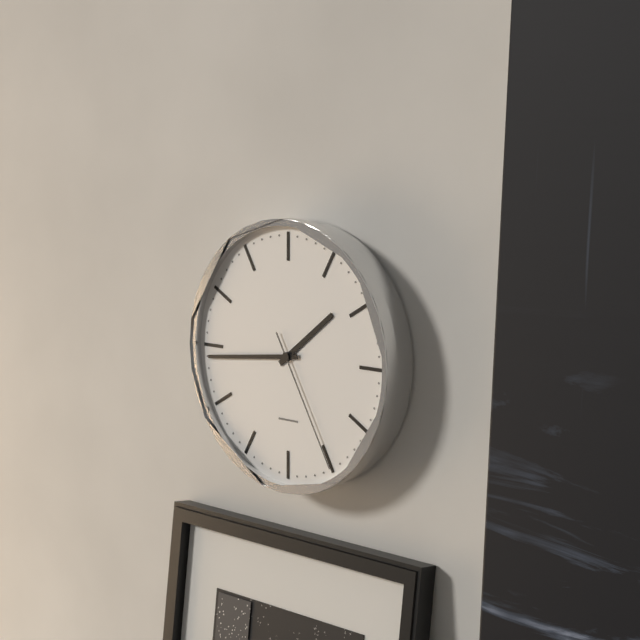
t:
1,44,25
